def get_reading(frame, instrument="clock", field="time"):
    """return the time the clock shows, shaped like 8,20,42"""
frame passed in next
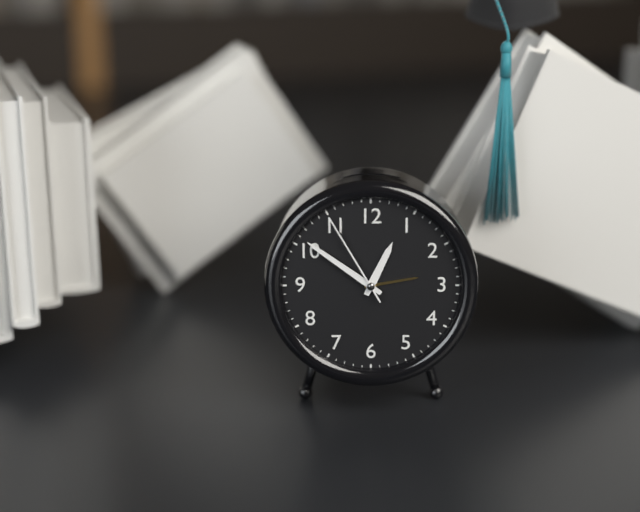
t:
12,51,55
